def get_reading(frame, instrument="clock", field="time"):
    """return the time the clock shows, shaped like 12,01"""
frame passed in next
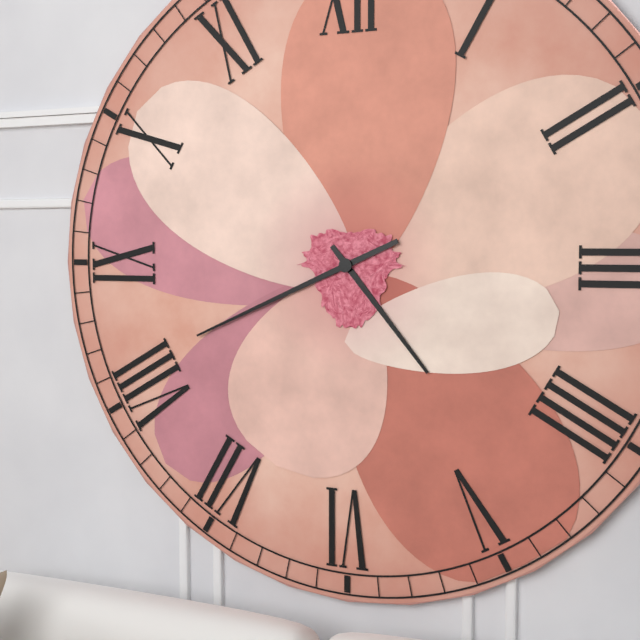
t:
4,41
